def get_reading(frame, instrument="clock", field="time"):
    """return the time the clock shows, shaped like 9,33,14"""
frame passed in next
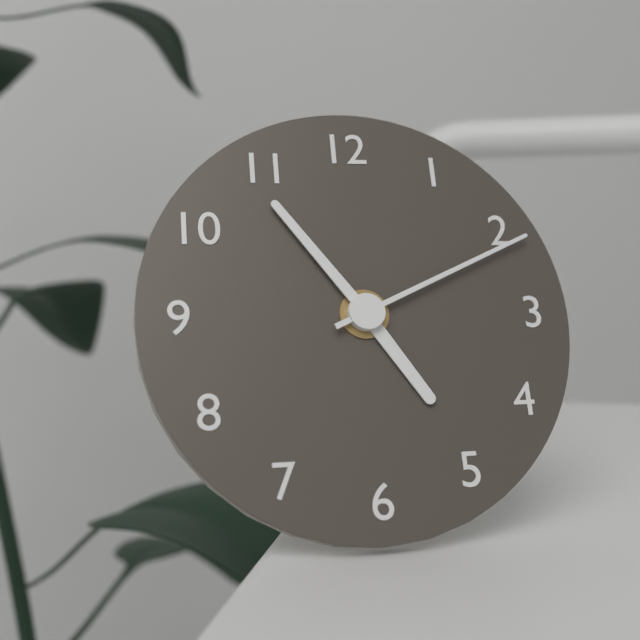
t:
4,54,11
